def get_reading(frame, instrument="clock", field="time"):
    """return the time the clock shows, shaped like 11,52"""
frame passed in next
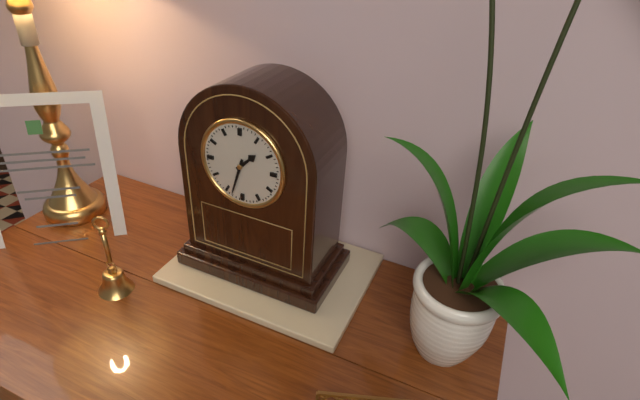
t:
1,33
